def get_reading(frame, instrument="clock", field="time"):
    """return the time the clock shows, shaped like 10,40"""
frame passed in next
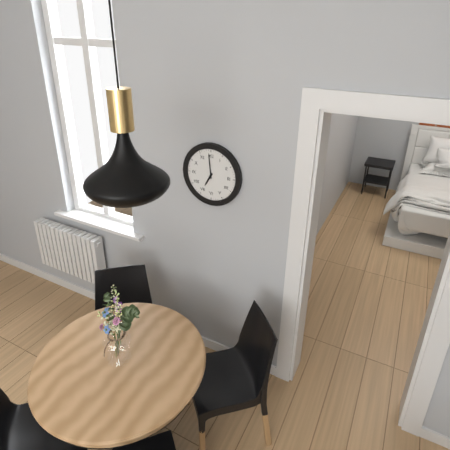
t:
6,59
